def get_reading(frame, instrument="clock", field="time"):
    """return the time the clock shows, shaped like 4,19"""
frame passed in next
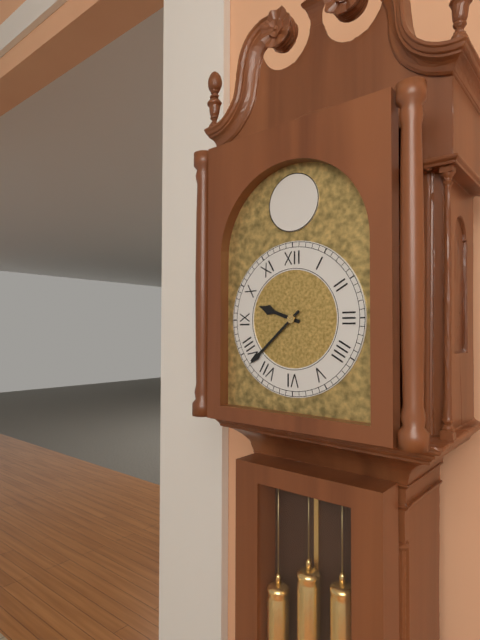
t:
9,38
